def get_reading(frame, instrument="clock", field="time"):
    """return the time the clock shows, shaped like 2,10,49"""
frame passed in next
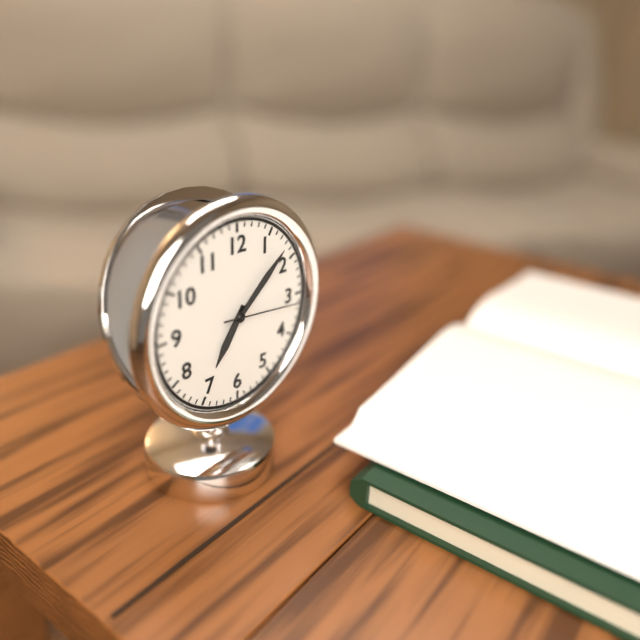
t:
7,08,16
